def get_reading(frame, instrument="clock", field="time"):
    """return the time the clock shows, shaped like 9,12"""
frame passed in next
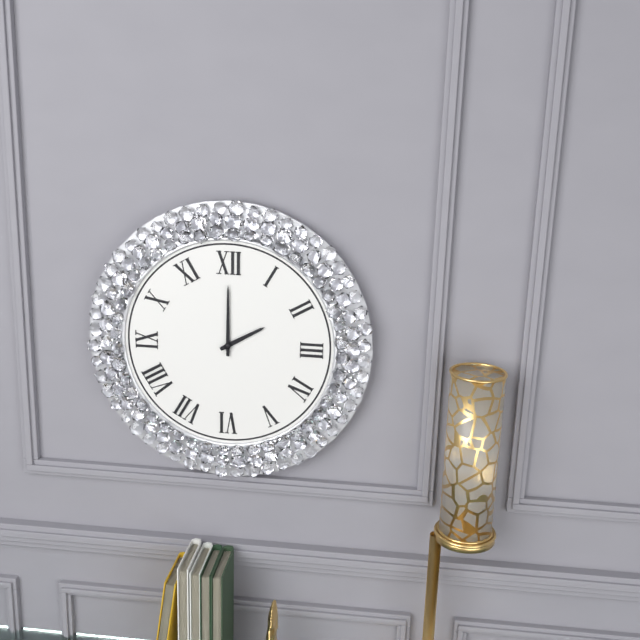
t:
2,00
